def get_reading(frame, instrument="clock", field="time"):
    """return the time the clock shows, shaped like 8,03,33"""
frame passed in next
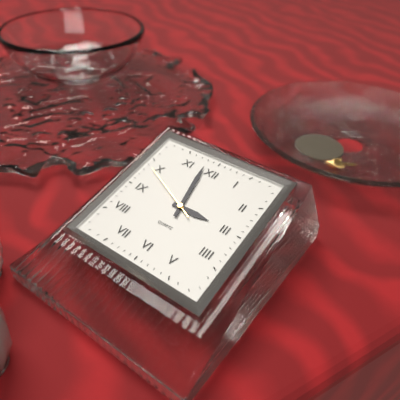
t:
2,58,49
